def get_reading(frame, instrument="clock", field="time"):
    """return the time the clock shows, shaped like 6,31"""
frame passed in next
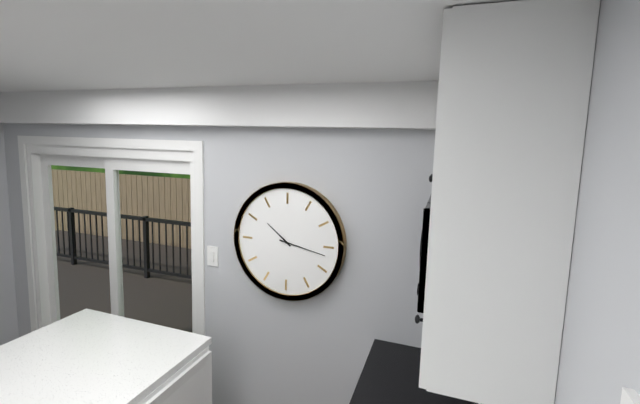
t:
10,17
